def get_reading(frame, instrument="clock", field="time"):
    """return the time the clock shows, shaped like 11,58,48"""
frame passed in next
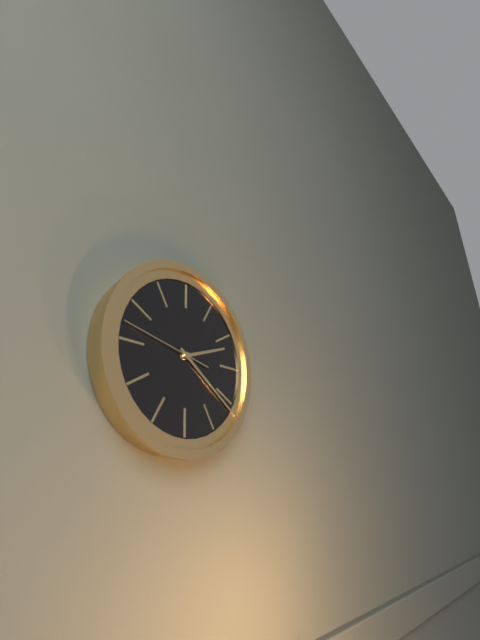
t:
2,21,47
